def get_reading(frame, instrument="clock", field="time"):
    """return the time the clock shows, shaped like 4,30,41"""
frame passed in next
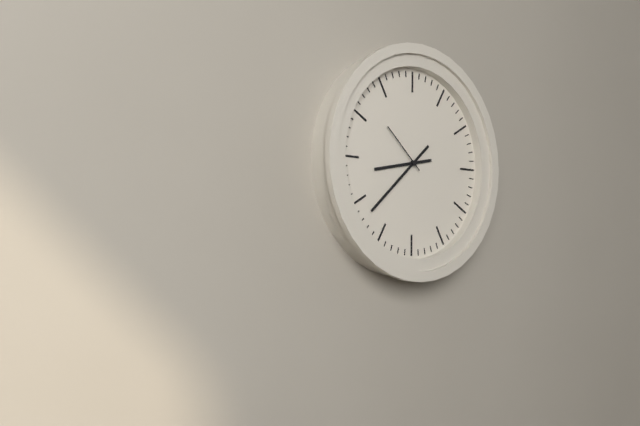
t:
8,38,52
